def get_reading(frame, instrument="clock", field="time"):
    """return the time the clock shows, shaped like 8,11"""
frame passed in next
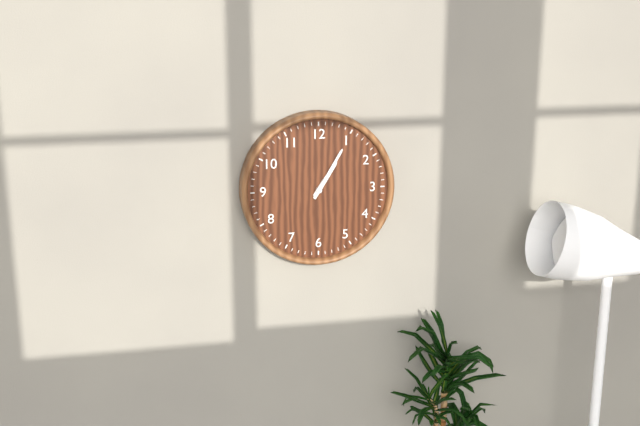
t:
1,05
